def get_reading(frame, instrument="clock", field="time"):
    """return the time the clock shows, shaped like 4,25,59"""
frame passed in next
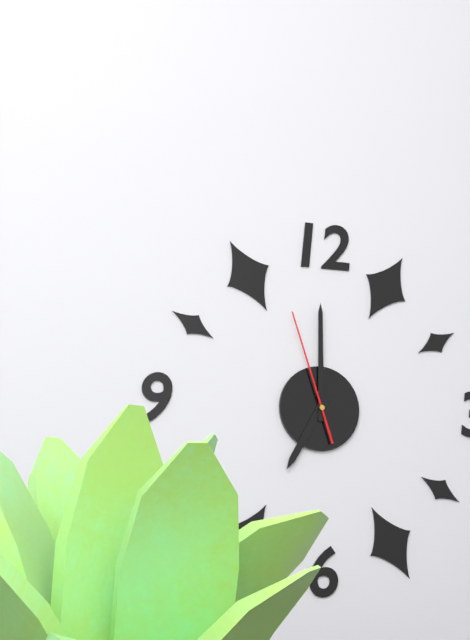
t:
7,00,57
